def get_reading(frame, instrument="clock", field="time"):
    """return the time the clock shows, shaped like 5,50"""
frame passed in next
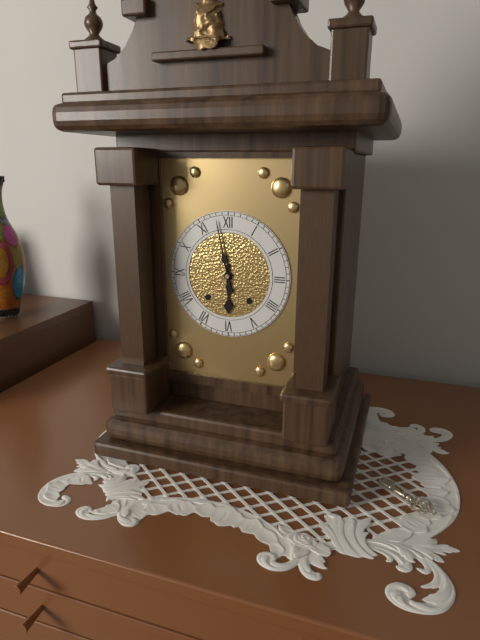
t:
5,58
